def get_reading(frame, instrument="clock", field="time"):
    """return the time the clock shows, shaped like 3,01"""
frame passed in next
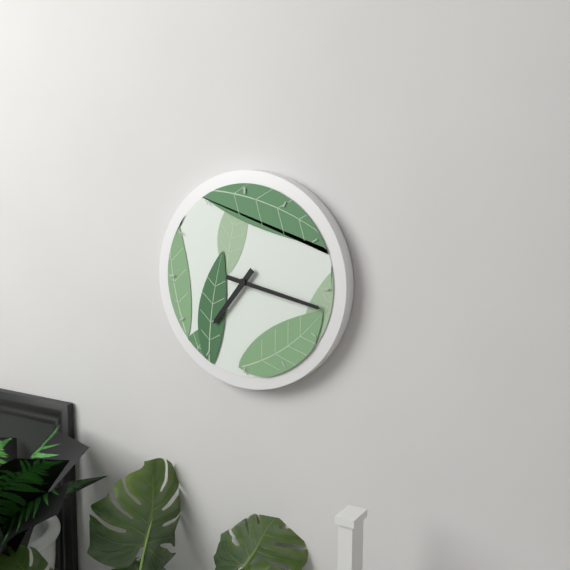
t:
7,17
